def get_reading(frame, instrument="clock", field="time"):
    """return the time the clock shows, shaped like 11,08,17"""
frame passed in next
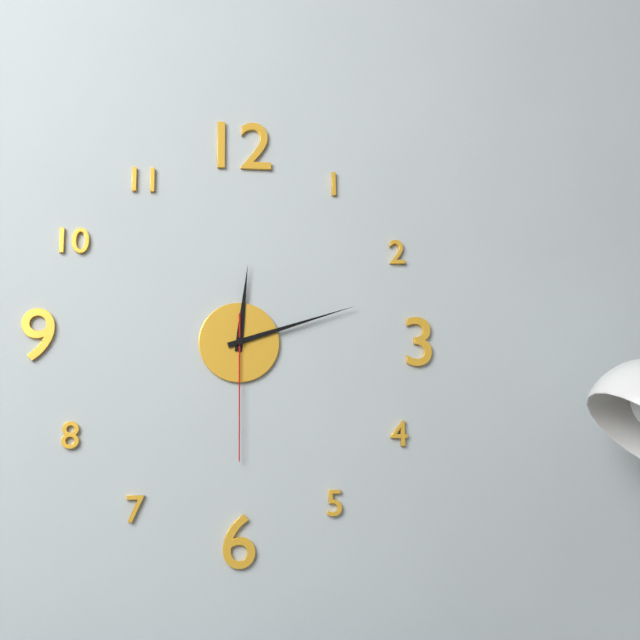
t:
12,12,30
